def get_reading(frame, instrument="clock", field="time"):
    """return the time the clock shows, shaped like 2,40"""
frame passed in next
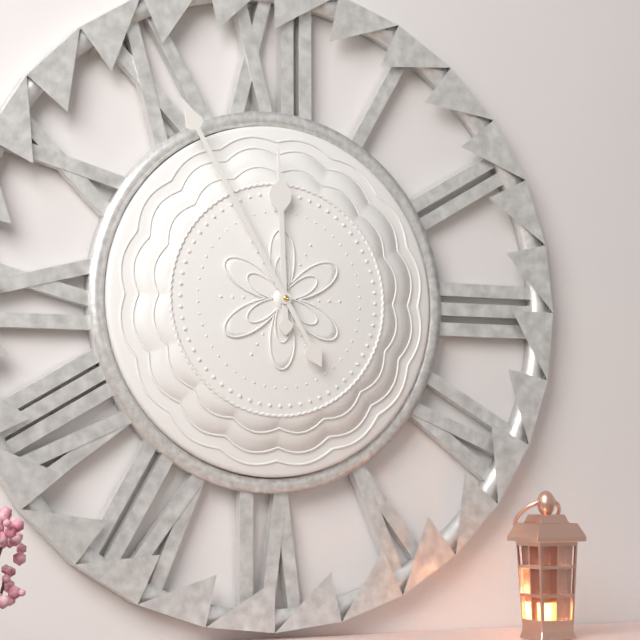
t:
11,55
